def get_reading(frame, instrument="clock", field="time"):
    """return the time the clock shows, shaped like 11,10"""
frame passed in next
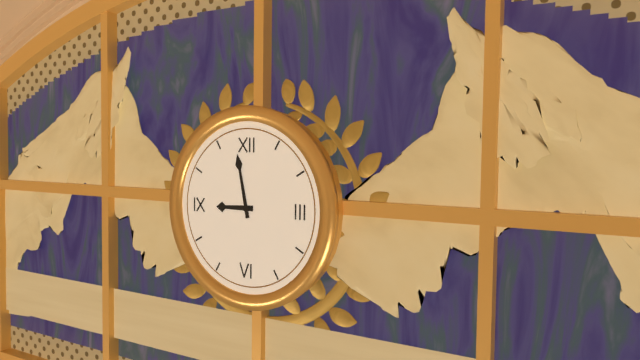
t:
8,58
